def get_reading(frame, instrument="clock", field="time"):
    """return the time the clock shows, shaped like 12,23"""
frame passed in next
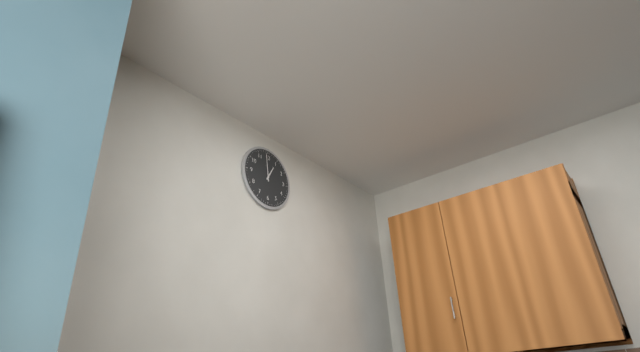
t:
12,59
